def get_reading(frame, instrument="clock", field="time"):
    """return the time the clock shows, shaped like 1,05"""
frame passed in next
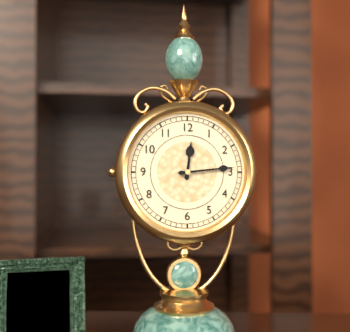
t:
12,14
